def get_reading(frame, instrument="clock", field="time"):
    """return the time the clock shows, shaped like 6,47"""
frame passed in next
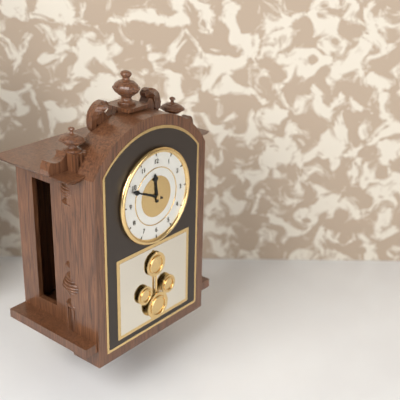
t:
11,49
